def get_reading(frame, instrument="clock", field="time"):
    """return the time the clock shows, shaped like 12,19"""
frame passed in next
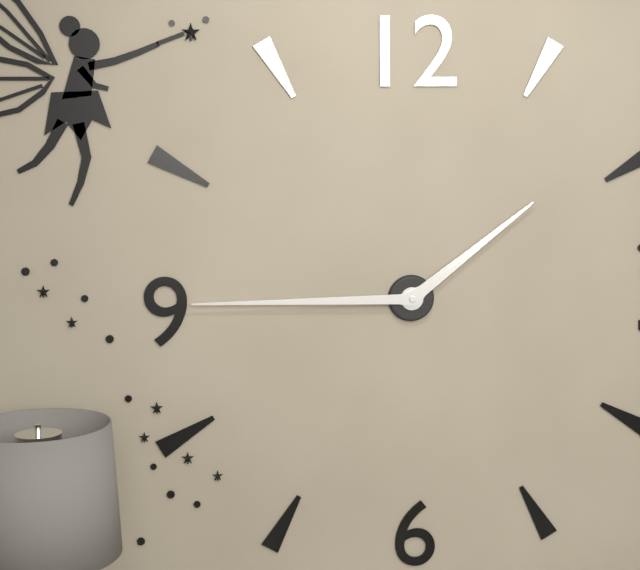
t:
1,45
